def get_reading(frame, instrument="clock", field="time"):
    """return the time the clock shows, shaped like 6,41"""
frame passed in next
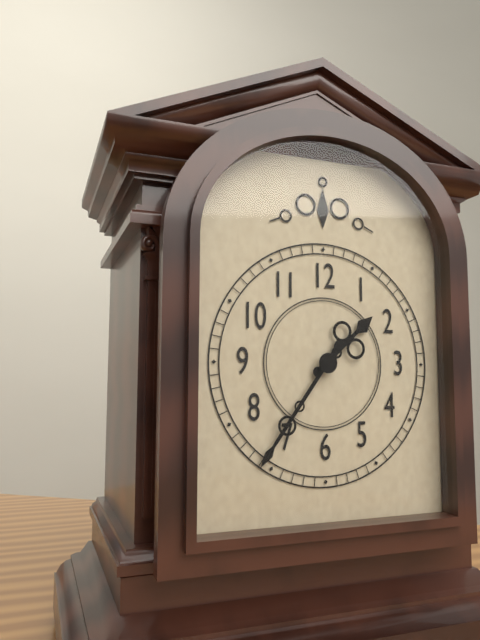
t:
1,36
